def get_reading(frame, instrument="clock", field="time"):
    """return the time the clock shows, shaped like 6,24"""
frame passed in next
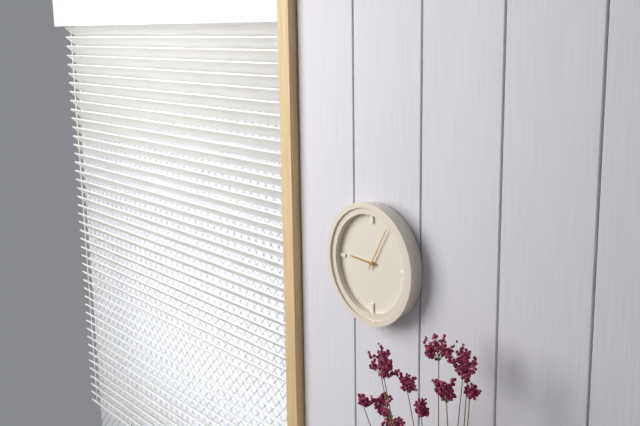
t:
9,05
